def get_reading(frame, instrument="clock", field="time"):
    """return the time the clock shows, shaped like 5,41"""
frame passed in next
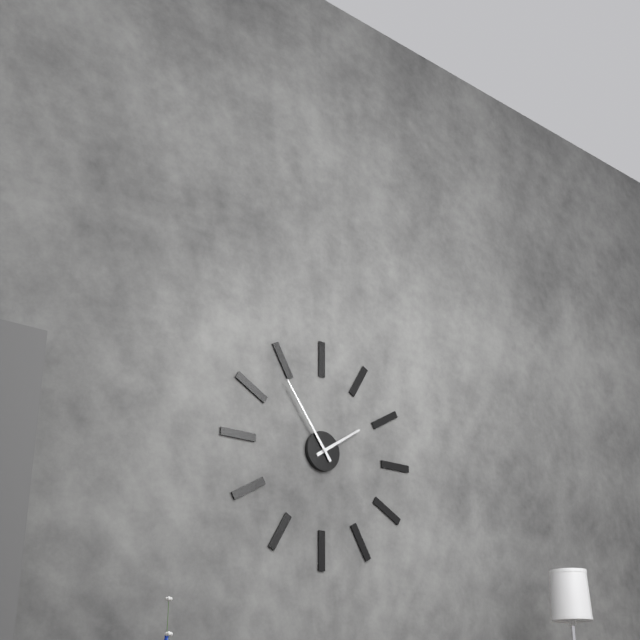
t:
1,54
